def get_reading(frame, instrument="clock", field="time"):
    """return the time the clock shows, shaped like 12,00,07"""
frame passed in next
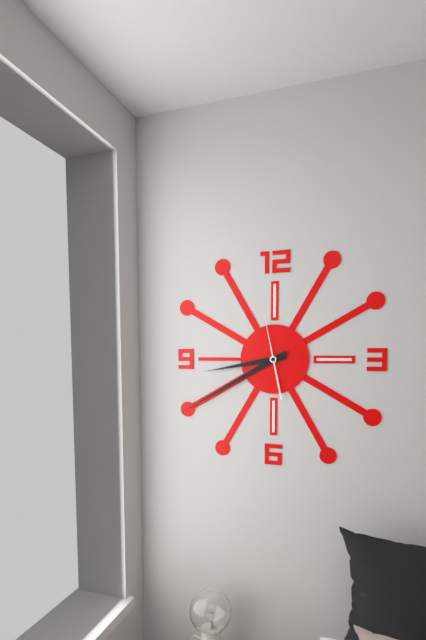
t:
8,40,58
